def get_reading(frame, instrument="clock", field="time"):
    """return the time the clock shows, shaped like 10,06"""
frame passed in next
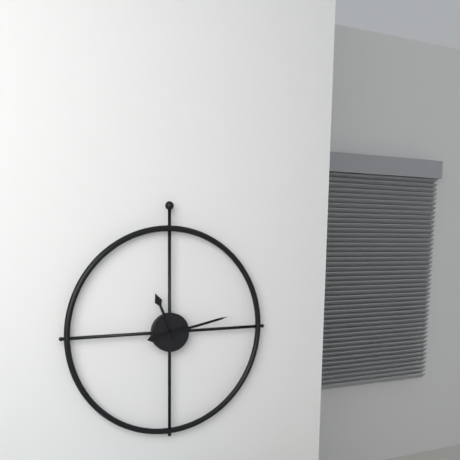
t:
11,13
